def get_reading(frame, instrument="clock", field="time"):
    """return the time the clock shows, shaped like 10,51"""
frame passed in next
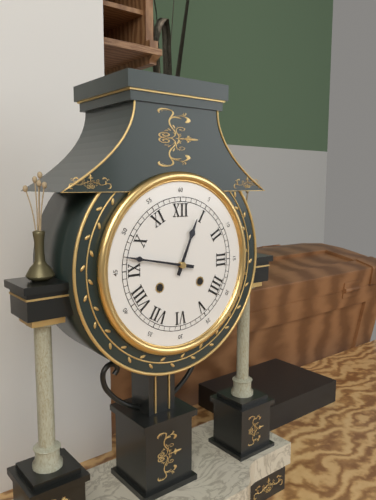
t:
12,47
